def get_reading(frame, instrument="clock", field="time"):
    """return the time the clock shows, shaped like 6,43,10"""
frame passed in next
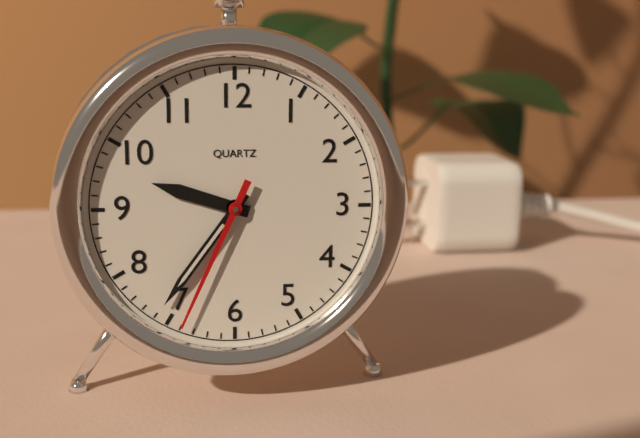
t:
9,36,34
